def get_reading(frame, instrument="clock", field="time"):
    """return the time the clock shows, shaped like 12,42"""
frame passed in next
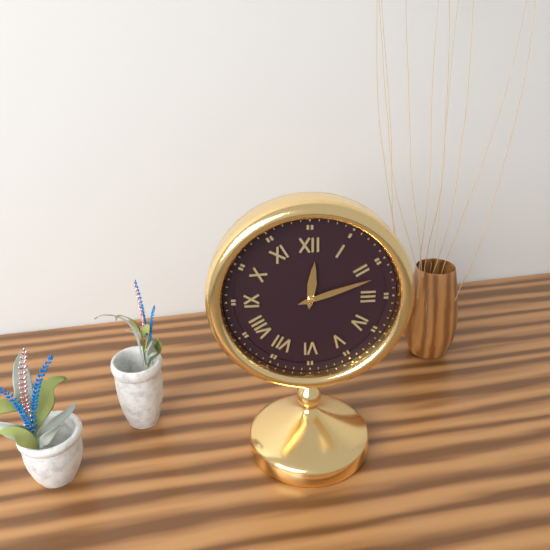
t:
12,12
